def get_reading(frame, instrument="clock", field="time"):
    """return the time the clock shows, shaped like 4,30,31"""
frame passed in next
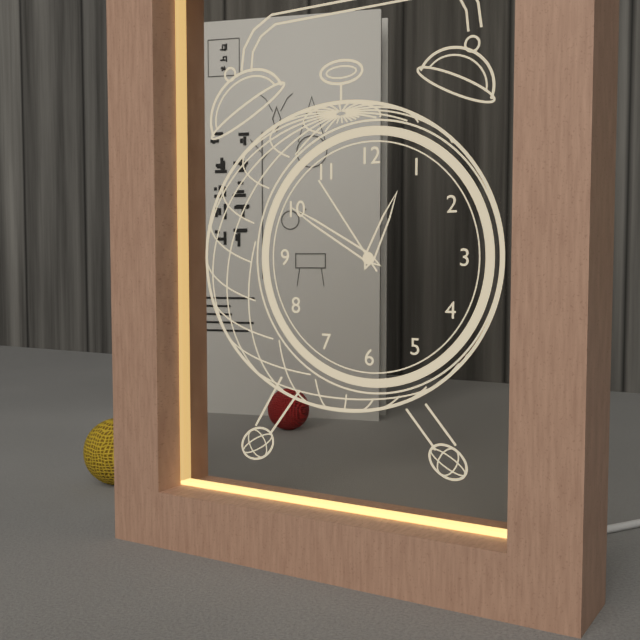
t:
12,50,54
